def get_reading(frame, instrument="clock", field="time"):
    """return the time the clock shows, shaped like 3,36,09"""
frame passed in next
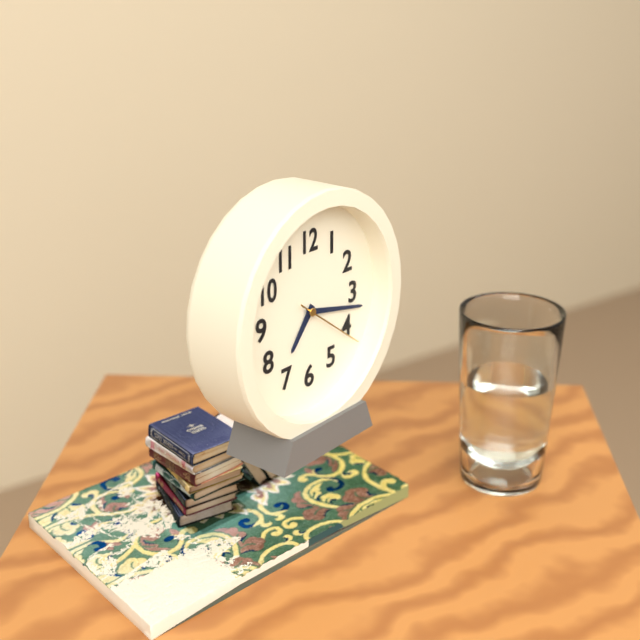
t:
7,17,21
